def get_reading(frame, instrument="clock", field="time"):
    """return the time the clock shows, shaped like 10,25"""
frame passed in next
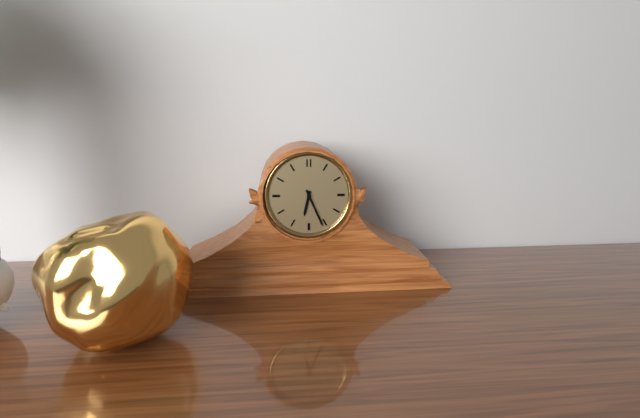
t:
6,26
